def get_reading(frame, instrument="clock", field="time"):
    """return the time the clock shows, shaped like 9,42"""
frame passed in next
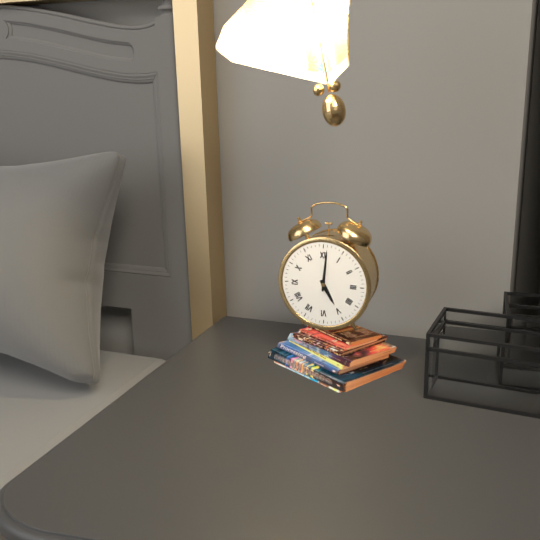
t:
5,01
